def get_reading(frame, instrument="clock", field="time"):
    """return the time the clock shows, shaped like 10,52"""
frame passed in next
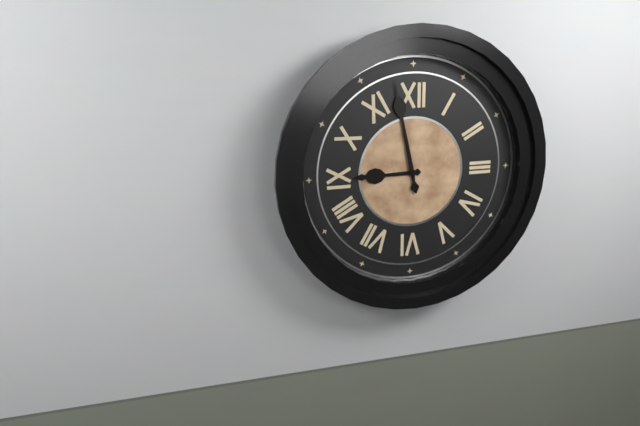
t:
8,58
